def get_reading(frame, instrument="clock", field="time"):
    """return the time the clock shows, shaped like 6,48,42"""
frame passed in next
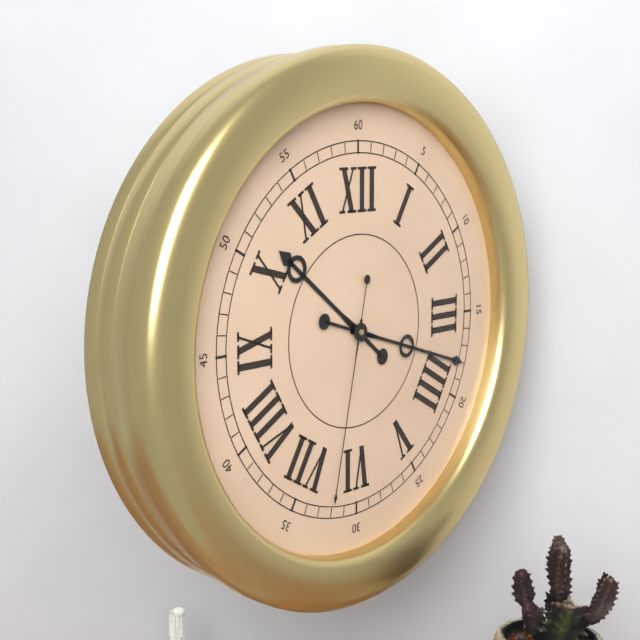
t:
10,18,32
